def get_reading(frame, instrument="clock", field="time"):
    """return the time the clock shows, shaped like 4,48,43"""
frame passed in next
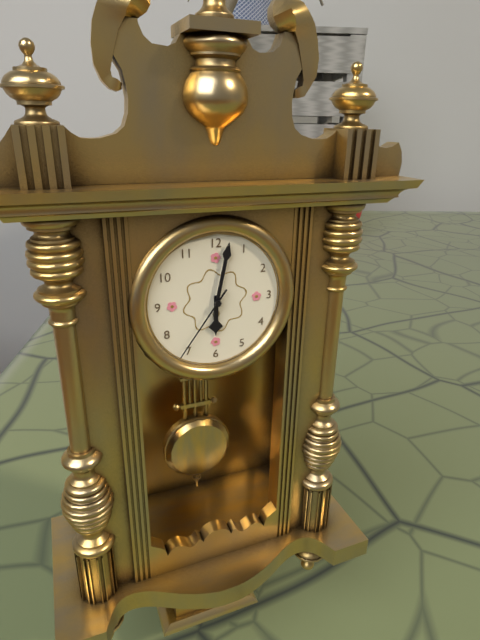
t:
6,02,36
